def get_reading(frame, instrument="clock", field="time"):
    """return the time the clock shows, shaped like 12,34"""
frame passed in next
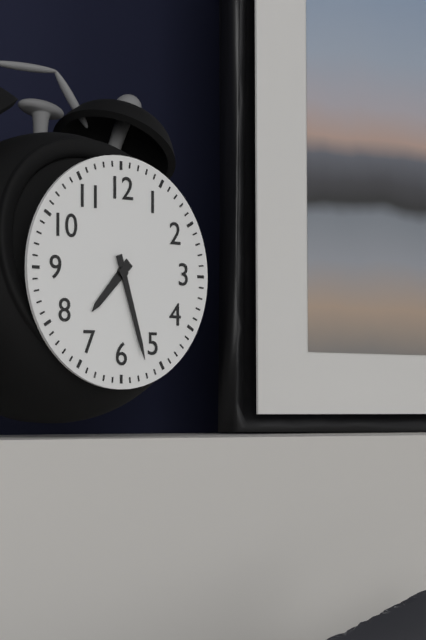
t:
7,27
